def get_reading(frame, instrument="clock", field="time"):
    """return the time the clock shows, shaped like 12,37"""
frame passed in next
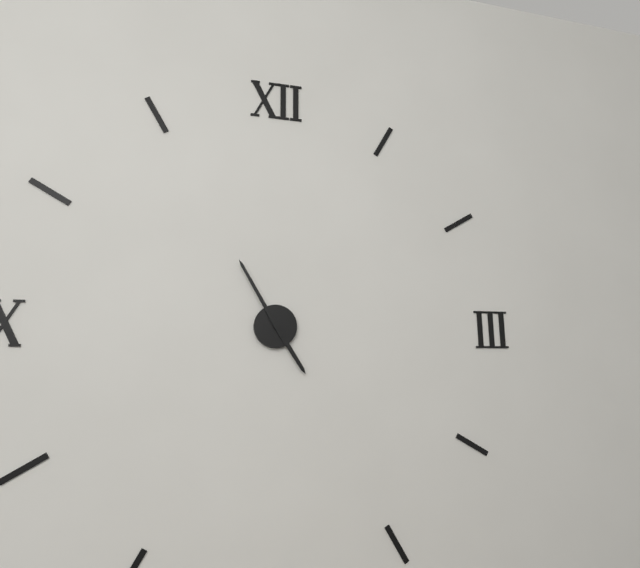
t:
4,55
